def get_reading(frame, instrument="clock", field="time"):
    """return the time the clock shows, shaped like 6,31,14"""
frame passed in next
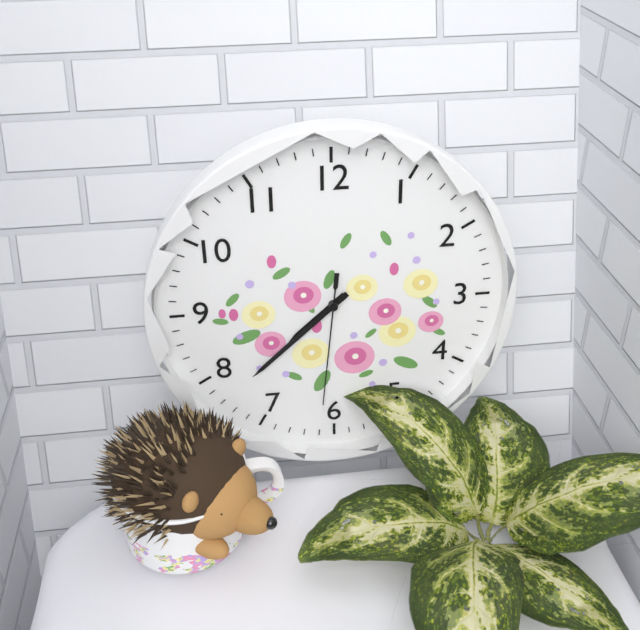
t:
7,38,31
